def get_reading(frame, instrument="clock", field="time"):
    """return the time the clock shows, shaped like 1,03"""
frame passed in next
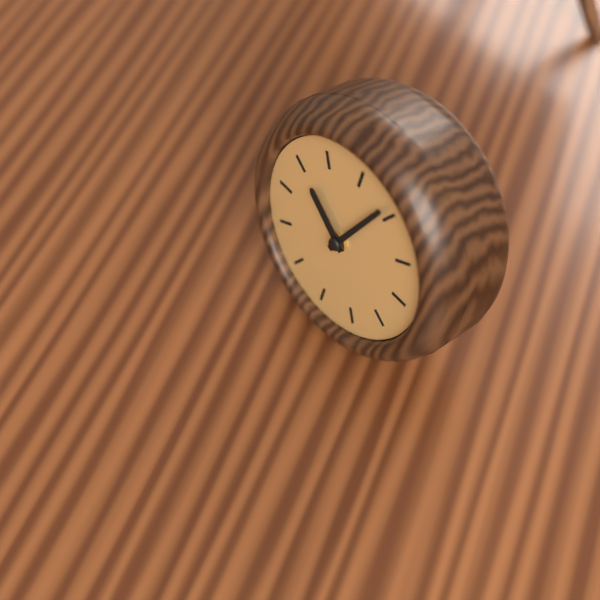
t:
10,04
